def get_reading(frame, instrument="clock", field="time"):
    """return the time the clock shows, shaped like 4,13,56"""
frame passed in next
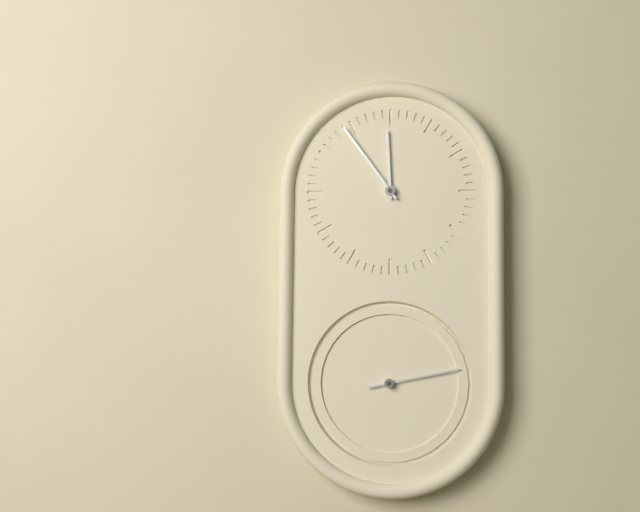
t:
11,54,13
